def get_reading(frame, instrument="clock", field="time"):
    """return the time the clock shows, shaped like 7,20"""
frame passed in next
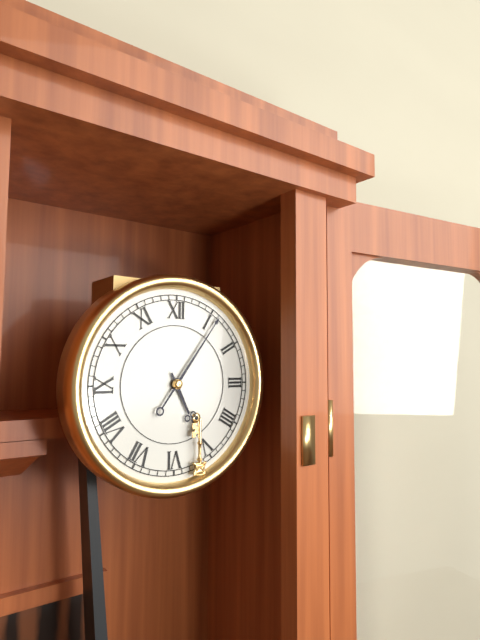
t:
5,06
